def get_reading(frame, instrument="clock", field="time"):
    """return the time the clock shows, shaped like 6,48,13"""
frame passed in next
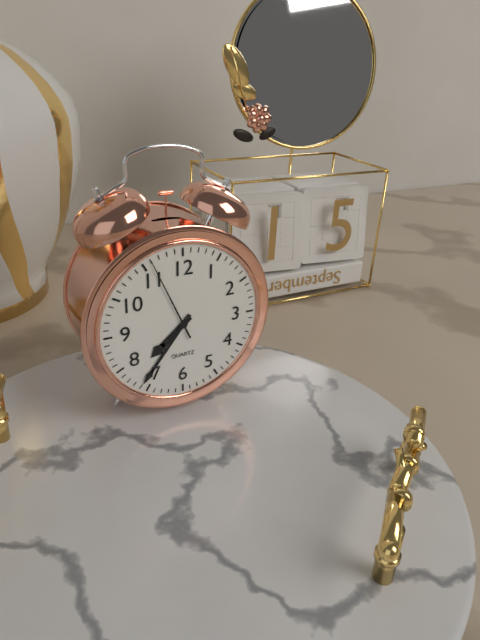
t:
7,36,56
